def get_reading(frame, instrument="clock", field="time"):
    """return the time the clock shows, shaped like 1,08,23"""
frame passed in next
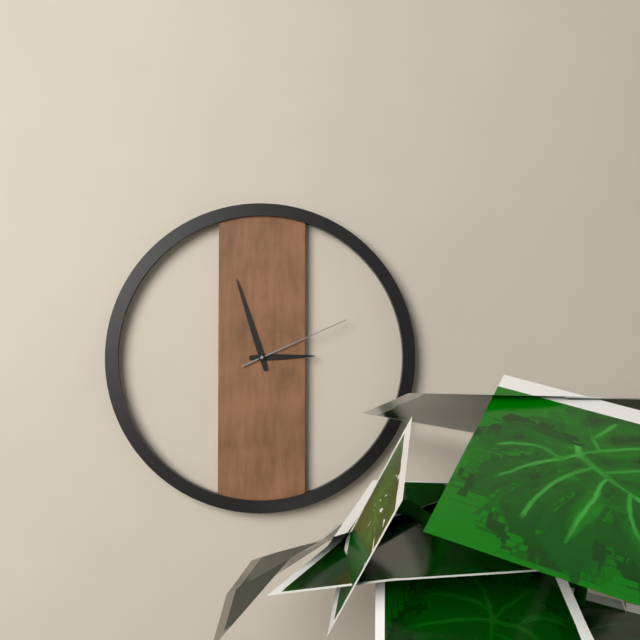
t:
2,57,11
